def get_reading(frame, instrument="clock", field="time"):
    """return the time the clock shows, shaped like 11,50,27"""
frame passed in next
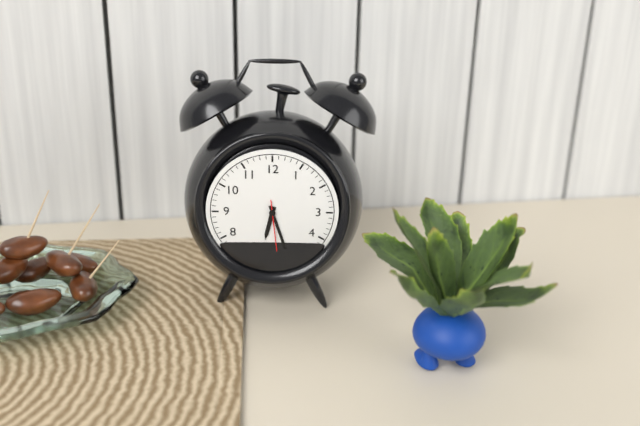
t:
6,27,29
